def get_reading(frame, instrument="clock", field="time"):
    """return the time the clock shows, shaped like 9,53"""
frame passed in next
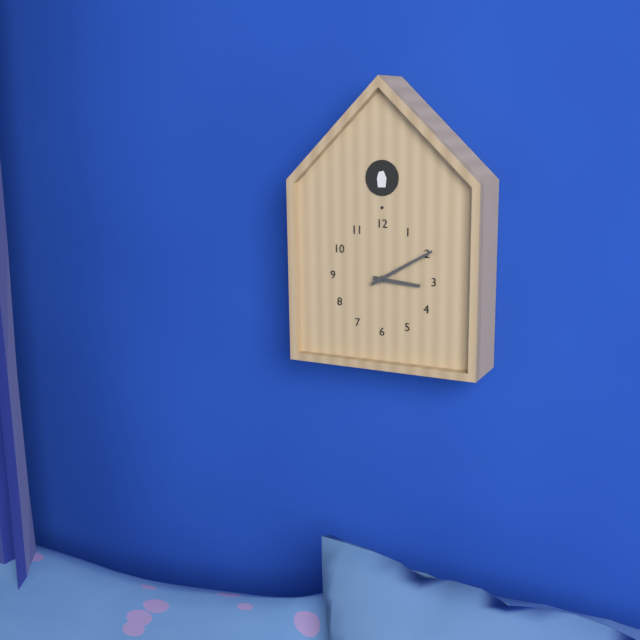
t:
3,10
